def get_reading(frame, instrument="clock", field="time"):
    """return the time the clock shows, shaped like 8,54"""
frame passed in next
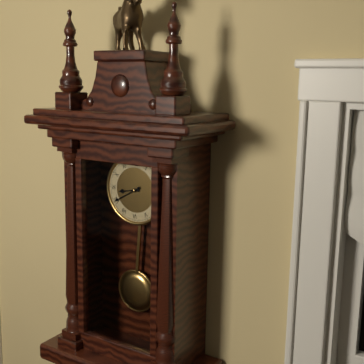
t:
8,40
